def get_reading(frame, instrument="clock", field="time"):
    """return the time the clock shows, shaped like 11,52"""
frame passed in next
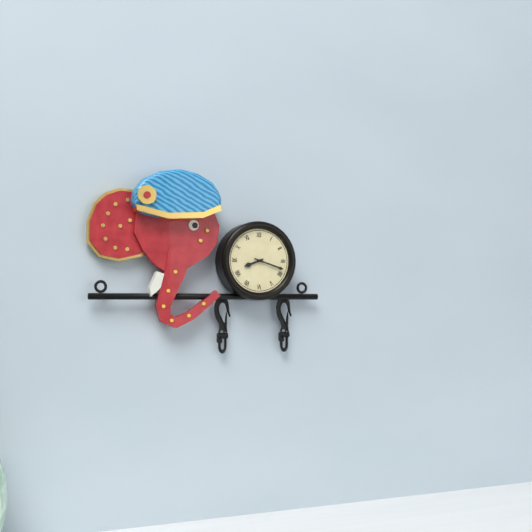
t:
8,18
